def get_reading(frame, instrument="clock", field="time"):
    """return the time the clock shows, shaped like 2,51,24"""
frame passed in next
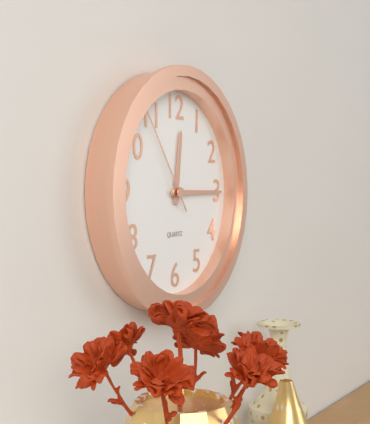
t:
12,15,54
